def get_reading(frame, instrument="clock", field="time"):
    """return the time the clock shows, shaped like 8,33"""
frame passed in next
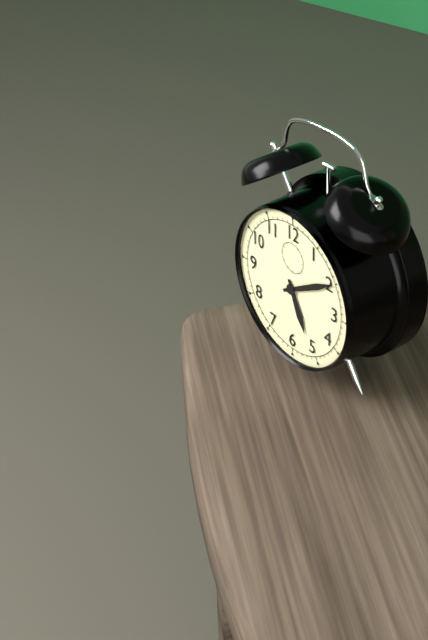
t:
5,10
